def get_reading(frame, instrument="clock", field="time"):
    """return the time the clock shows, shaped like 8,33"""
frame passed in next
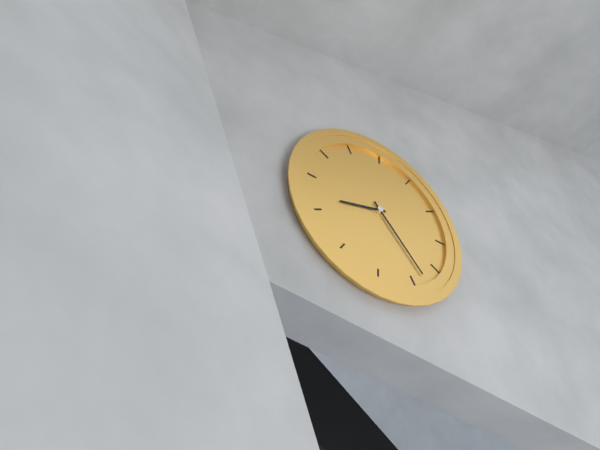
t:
8,23
